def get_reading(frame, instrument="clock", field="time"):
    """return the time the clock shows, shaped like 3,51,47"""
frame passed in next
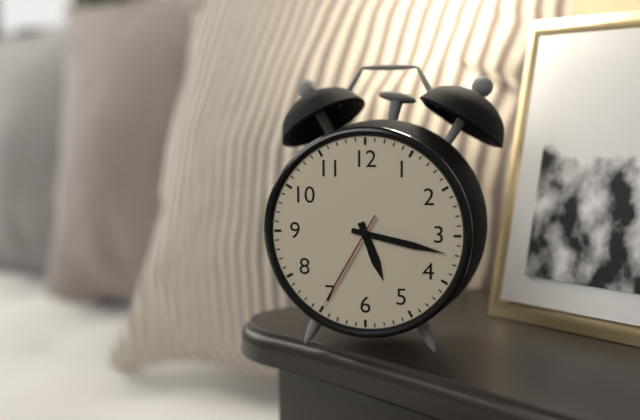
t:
5,17,35
